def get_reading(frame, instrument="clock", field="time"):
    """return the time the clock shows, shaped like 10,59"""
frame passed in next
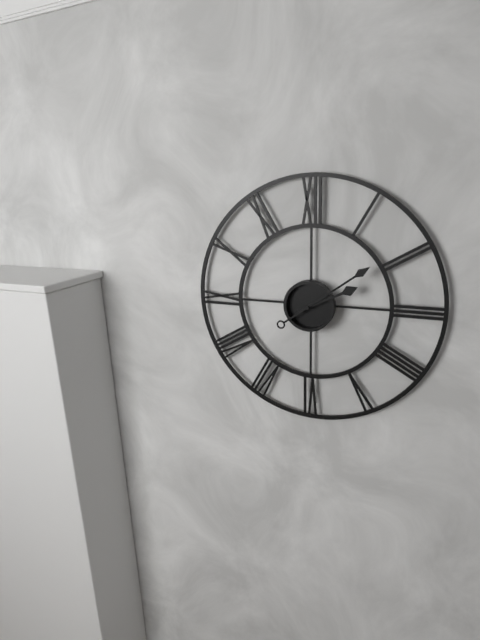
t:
2,09
